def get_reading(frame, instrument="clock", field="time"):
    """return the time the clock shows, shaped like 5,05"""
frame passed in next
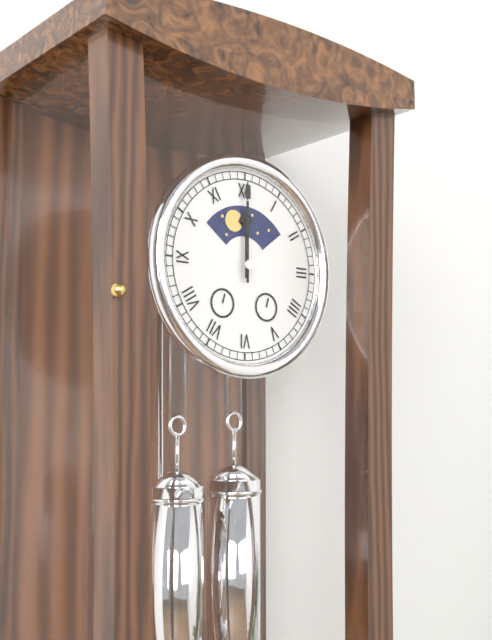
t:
12,00
